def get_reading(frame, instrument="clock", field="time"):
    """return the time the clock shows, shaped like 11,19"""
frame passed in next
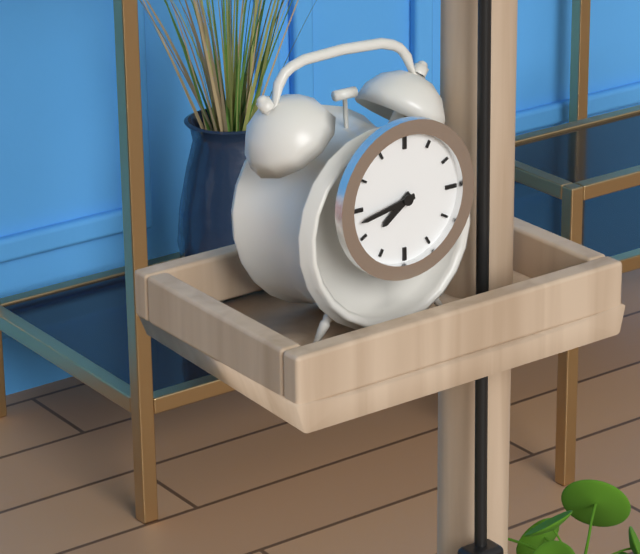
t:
7,43
